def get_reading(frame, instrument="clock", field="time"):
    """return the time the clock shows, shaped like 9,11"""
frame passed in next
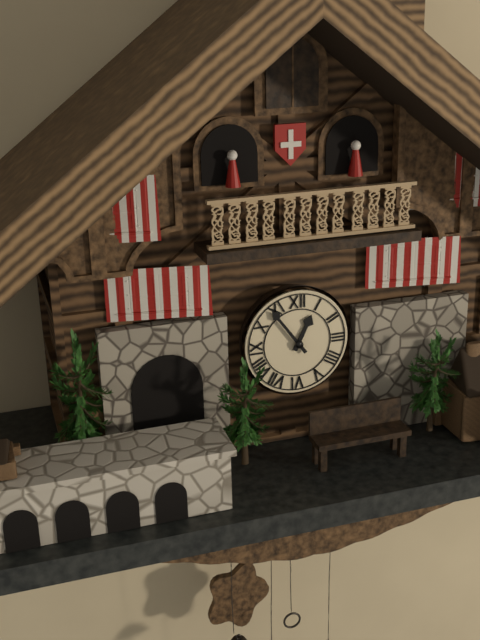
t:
12,54
